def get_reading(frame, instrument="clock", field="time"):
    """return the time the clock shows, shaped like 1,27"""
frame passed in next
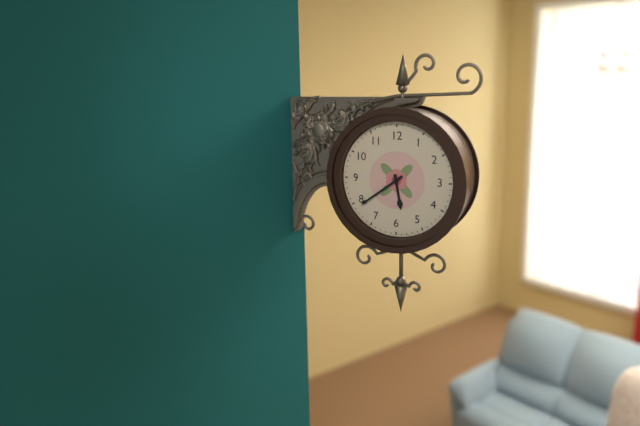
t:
5,39
